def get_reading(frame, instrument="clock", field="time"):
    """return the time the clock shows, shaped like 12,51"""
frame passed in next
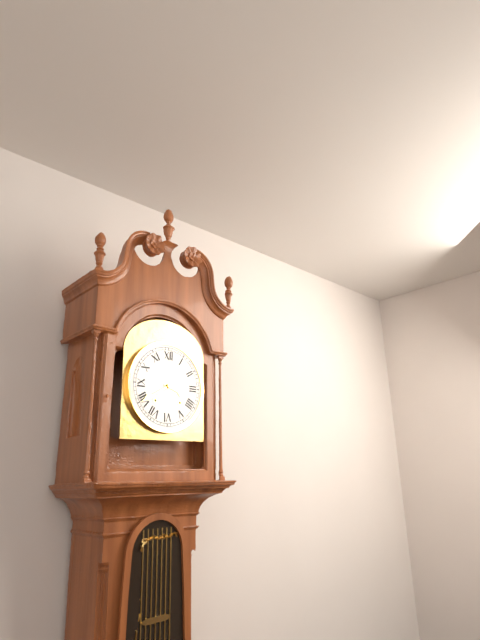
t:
3,40
